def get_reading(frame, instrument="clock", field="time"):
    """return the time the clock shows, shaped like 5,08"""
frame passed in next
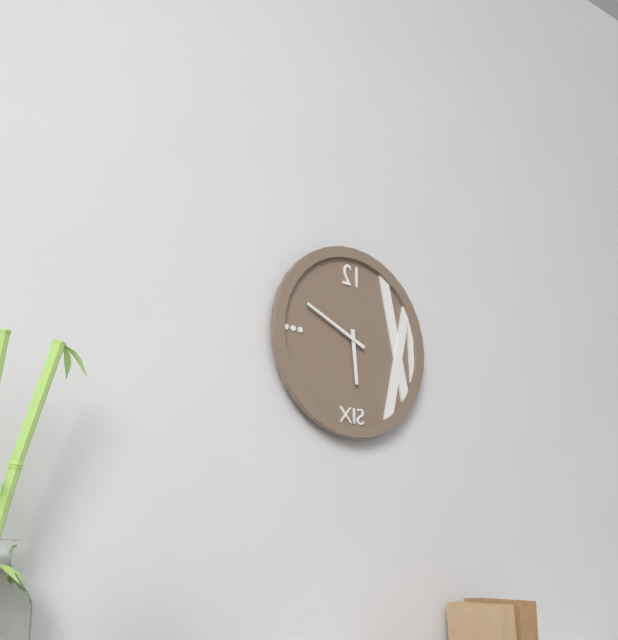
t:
5,49
